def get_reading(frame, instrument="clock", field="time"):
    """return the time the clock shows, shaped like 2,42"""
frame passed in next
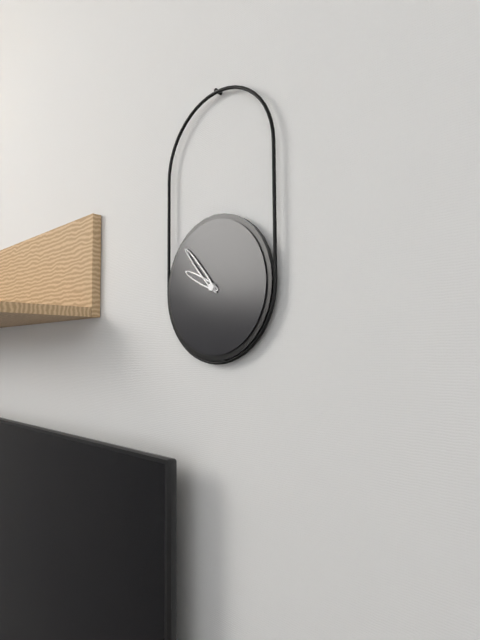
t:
9,53
